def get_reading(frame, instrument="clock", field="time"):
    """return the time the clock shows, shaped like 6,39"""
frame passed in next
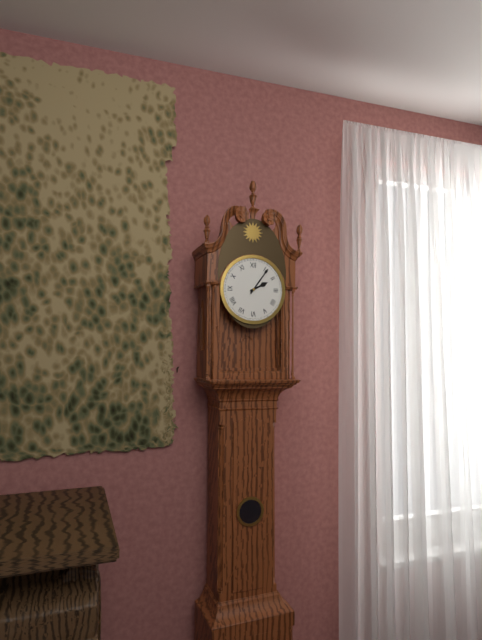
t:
2,06
